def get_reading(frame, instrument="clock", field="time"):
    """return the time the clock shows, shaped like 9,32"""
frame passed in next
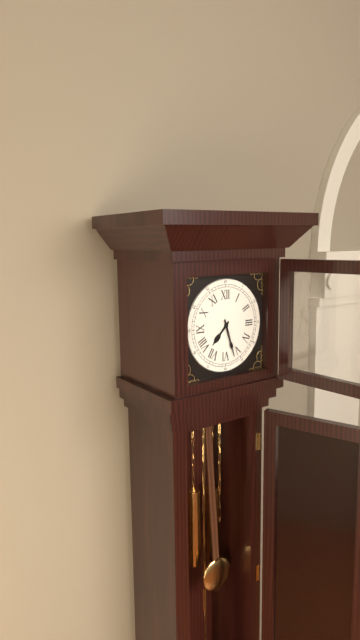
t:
7,27
